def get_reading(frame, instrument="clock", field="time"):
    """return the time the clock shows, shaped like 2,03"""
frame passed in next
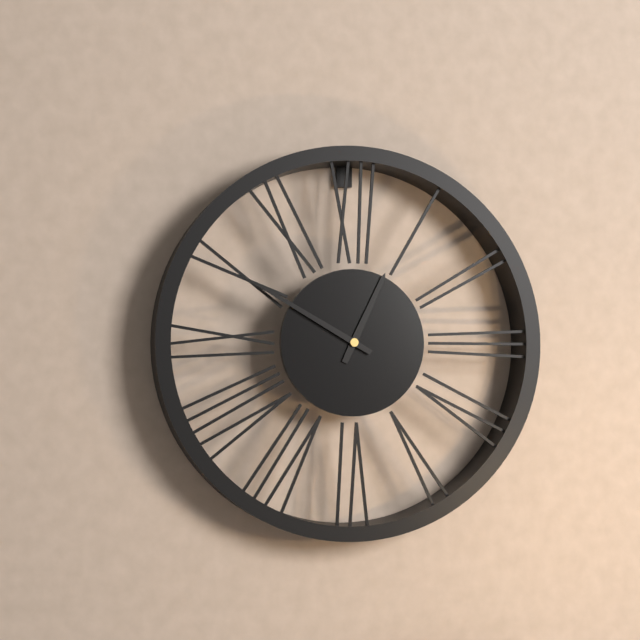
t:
12,50
